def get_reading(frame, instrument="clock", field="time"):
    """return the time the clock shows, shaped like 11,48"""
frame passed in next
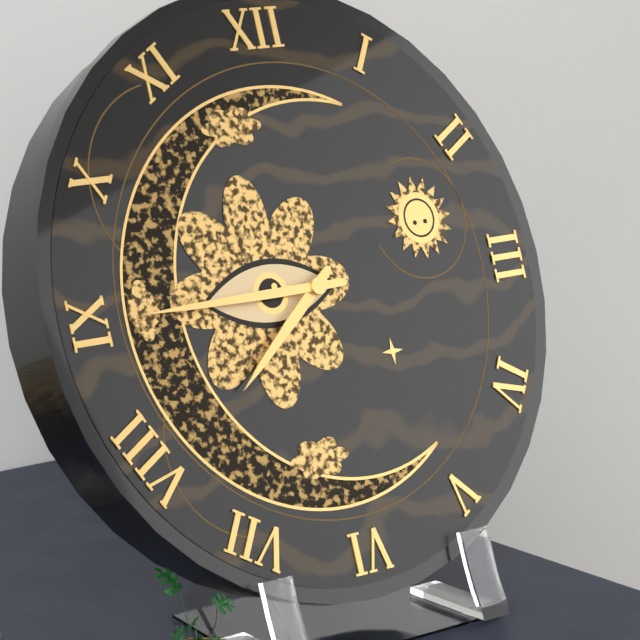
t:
7,45
